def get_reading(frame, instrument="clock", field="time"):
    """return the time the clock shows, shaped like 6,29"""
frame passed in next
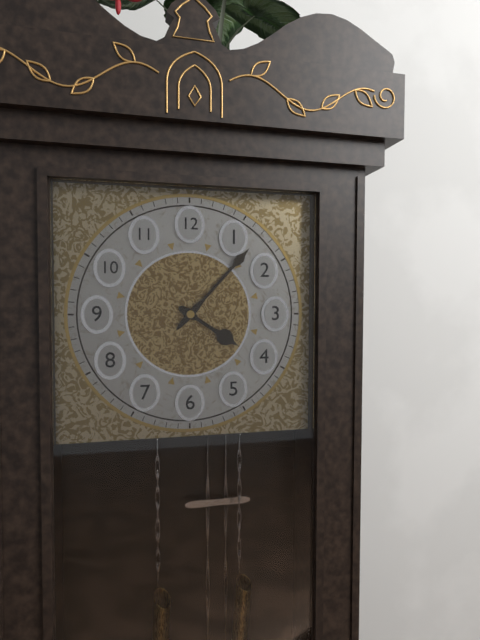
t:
4,07
